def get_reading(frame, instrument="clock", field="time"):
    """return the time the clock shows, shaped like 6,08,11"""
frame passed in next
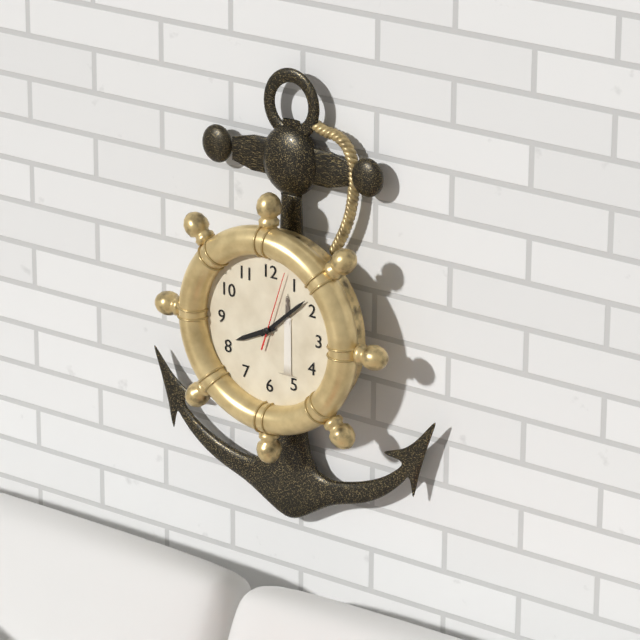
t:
8,08,03
